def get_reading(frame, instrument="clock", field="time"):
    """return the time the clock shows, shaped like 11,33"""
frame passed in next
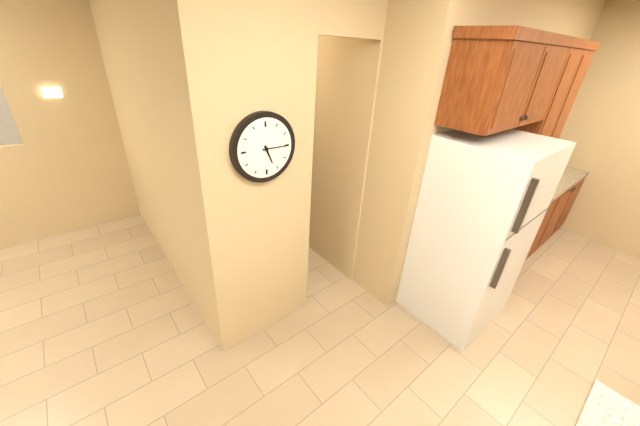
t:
5,15
